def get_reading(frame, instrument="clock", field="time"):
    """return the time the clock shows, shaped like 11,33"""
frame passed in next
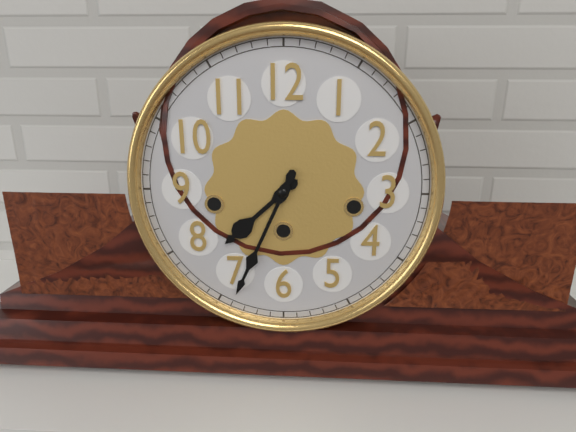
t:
7,34
